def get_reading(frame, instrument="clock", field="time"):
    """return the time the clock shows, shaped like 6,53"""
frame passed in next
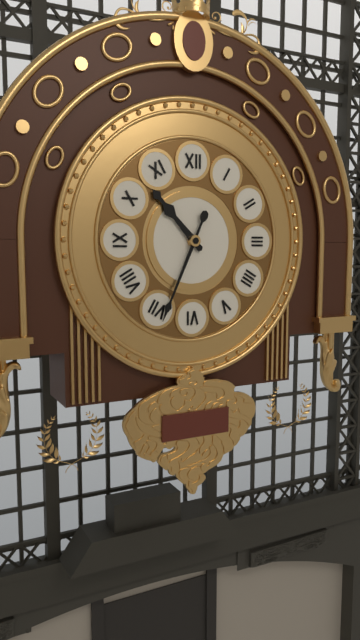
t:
10,34
